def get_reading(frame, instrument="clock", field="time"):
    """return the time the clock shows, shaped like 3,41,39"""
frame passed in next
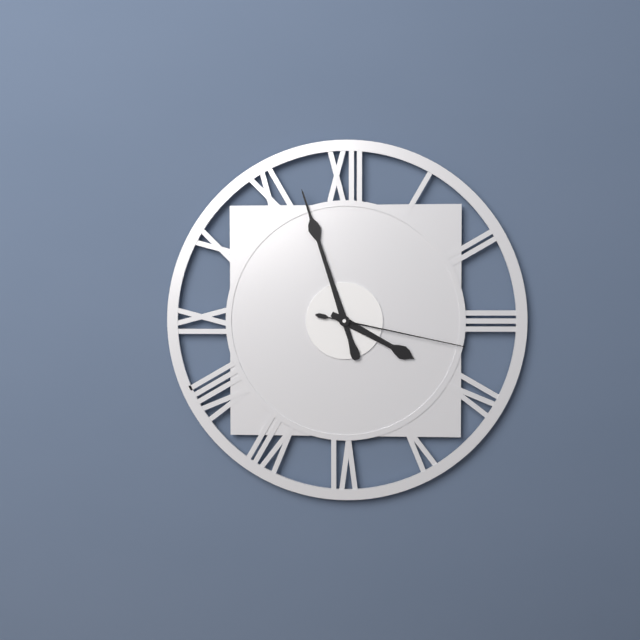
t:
3,57,17
